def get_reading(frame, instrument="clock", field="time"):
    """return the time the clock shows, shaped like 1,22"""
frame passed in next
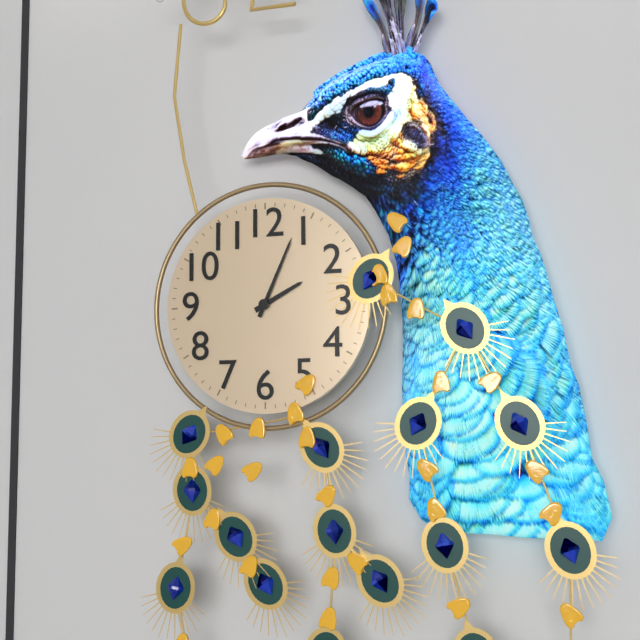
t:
2,04
